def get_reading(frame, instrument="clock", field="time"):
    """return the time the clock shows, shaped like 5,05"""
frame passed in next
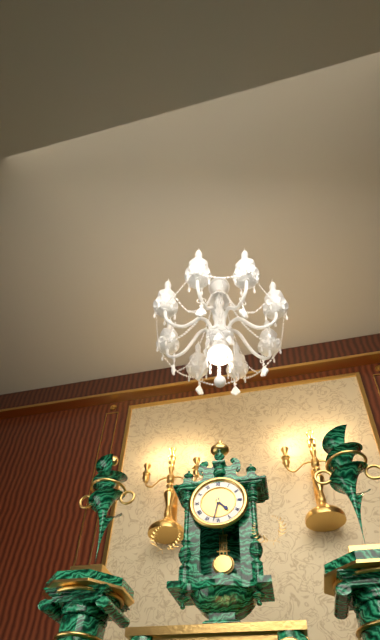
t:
4,32
